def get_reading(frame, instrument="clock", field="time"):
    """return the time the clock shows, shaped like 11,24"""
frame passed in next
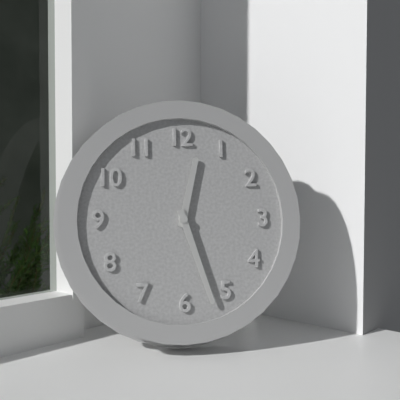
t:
12,27
